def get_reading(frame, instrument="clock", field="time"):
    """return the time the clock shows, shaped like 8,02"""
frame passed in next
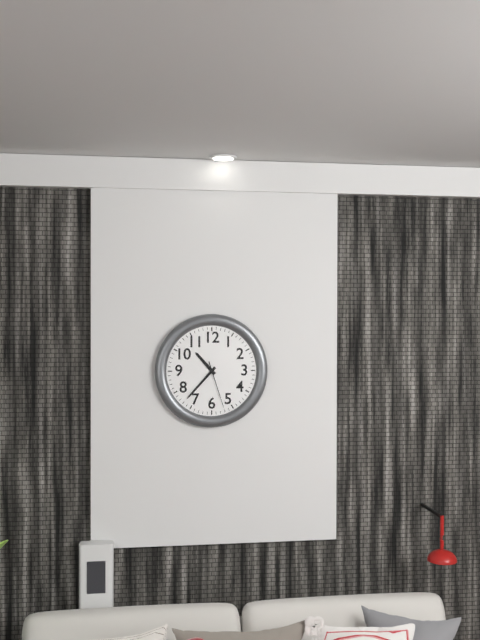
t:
10,37
